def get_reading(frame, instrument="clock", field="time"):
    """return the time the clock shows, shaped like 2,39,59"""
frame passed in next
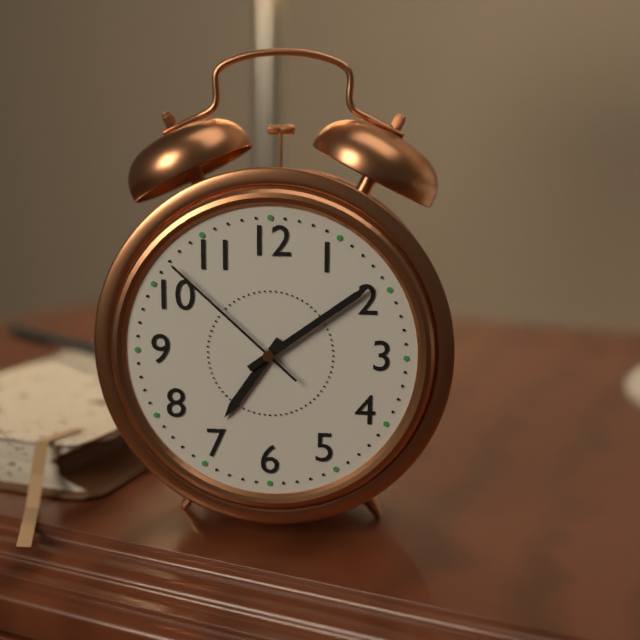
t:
7,09,52
